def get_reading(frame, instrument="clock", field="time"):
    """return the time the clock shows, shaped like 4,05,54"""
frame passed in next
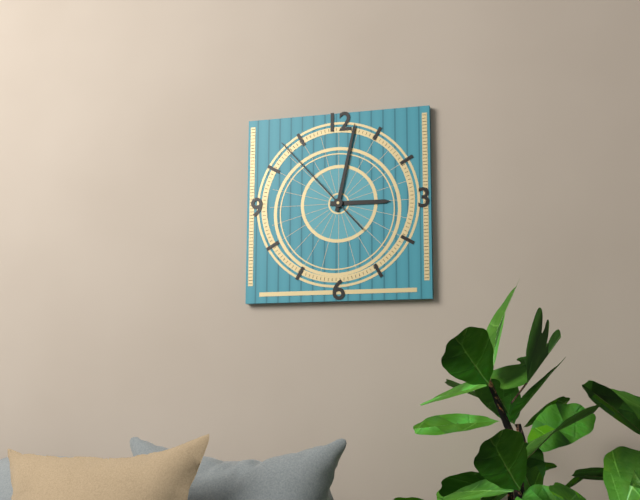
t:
3,02,53
